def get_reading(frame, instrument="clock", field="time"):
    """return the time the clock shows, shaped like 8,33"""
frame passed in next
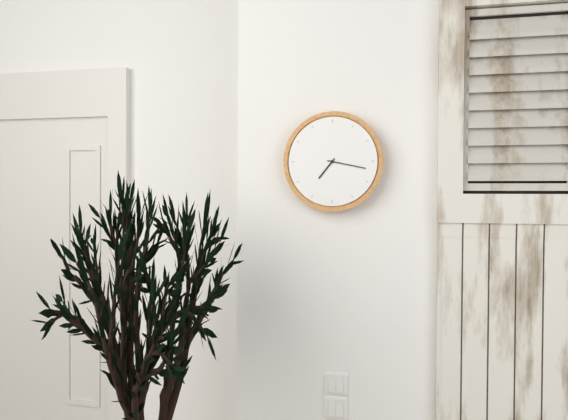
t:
7,17
